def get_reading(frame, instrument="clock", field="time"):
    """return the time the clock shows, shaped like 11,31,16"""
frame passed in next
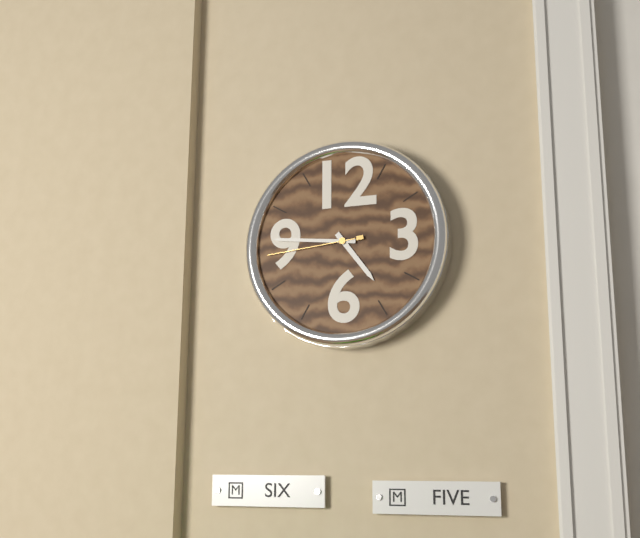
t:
4,46,44
